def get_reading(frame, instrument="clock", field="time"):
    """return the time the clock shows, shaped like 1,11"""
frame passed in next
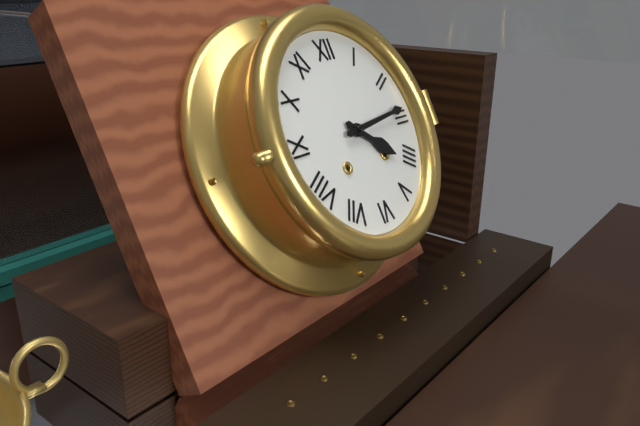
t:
4,14
